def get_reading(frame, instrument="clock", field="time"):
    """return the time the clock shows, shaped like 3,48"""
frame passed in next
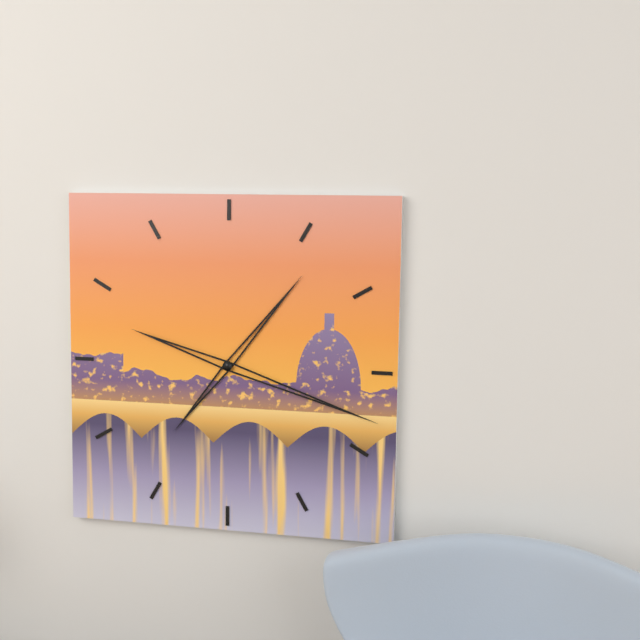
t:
1,18
